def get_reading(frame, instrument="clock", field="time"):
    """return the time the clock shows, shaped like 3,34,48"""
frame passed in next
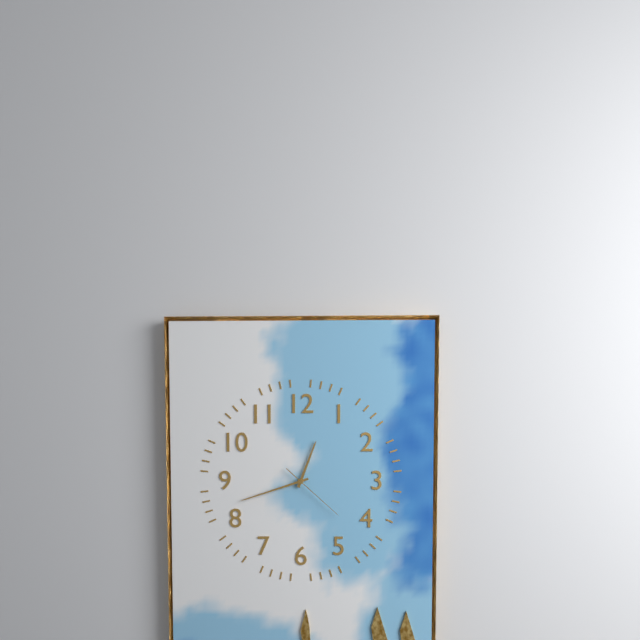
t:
12,42,22
